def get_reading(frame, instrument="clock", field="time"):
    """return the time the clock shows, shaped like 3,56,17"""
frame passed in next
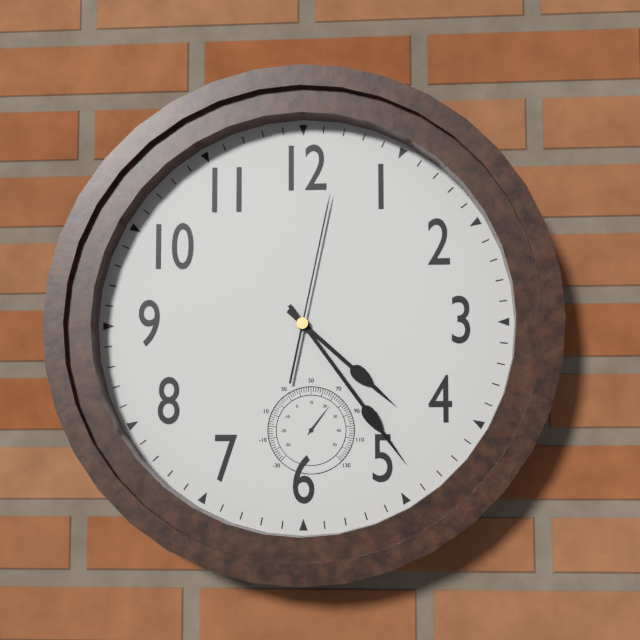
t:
4,24,02
